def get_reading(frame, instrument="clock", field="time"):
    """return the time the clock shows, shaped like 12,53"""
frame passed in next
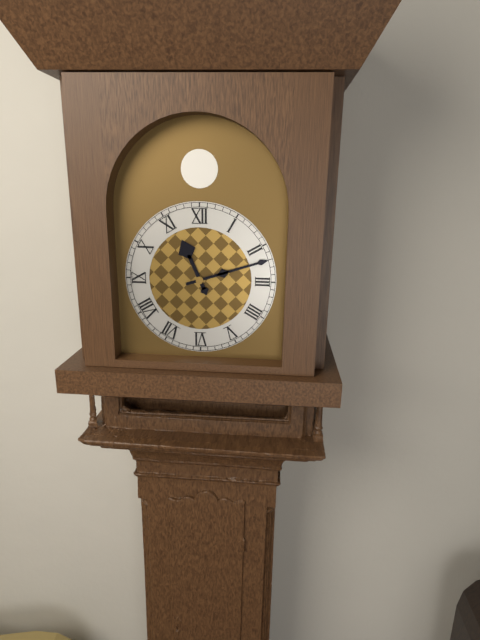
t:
11,12
